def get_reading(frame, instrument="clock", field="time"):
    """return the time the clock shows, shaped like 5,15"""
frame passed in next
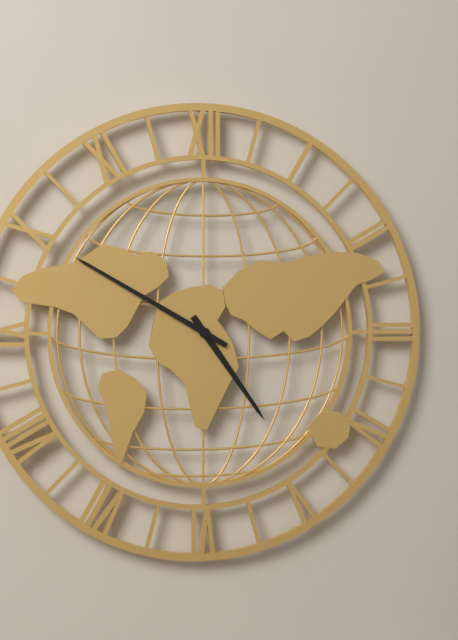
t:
4,50
